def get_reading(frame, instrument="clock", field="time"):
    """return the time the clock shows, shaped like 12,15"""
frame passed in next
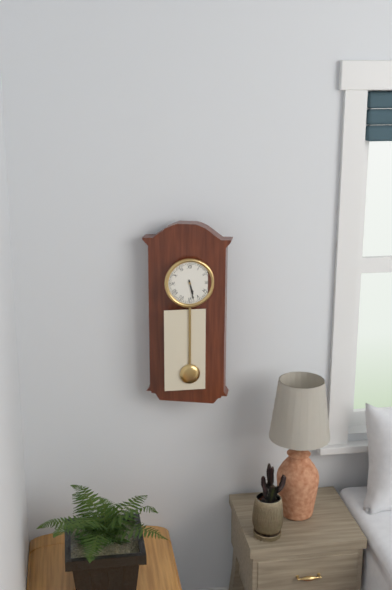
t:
5,28
